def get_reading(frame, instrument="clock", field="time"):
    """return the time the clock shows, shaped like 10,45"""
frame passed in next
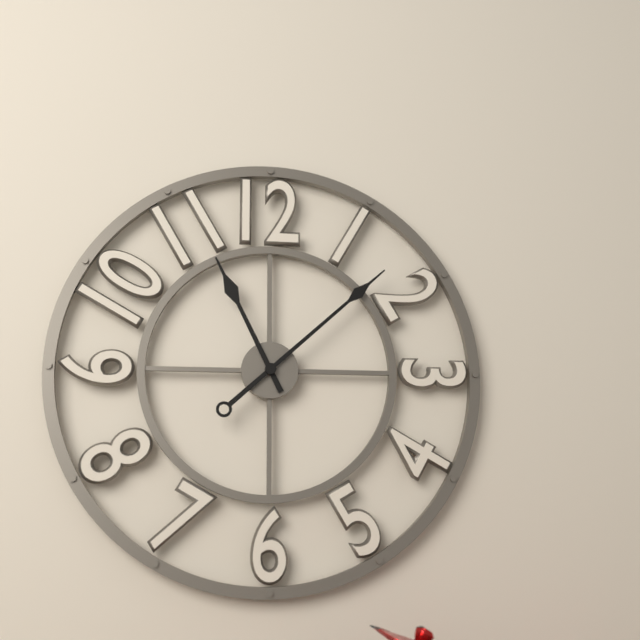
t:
11,08
